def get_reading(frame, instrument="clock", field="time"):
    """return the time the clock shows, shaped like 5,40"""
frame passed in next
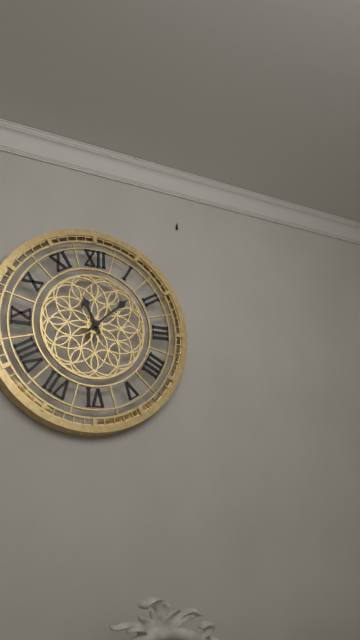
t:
11,08
